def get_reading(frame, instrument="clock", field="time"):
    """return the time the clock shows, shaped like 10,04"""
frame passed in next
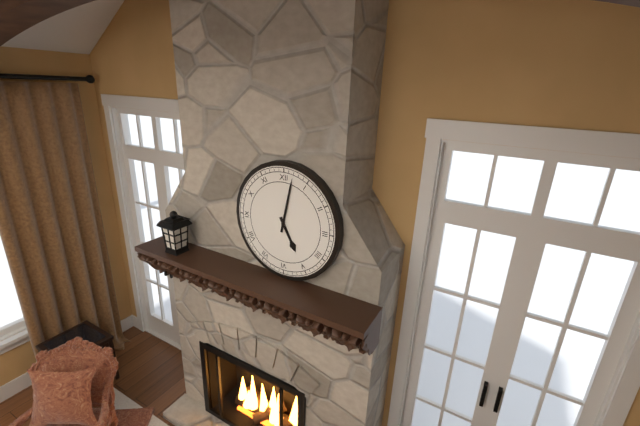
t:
5,02
